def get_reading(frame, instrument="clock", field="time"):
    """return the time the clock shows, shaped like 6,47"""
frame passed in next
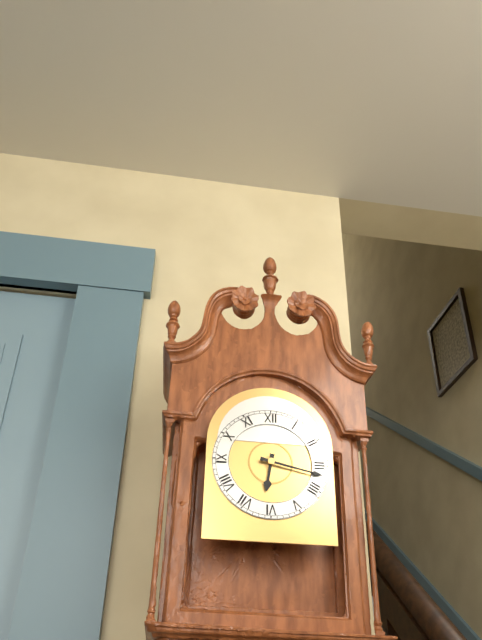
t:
6,17
